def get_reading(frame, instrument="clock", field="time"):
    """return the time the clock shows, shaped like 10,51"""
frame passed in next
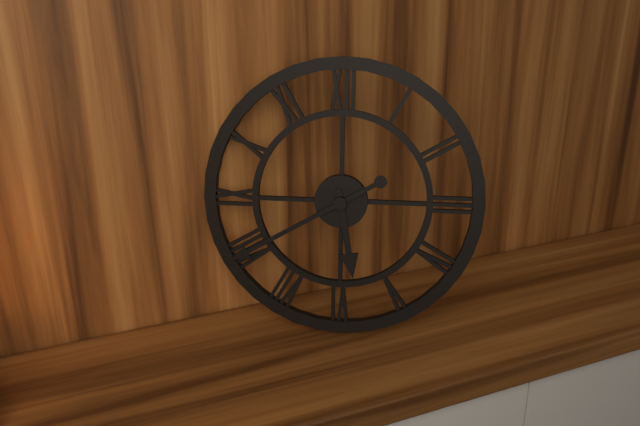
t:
5,40
